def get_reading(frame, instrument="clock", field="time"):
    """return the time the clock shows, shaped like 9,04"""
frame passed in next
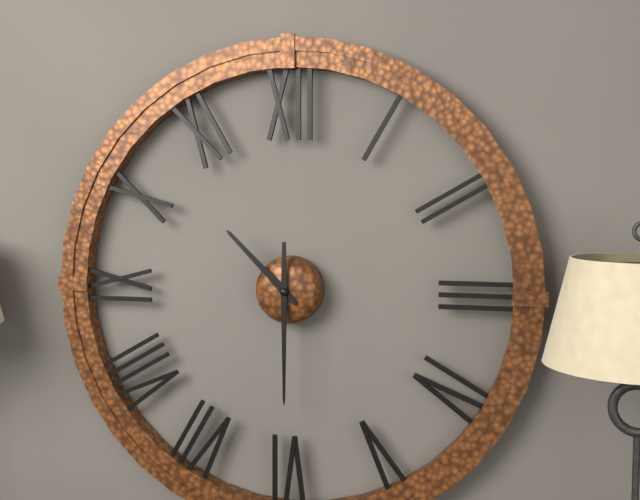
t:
10,30
